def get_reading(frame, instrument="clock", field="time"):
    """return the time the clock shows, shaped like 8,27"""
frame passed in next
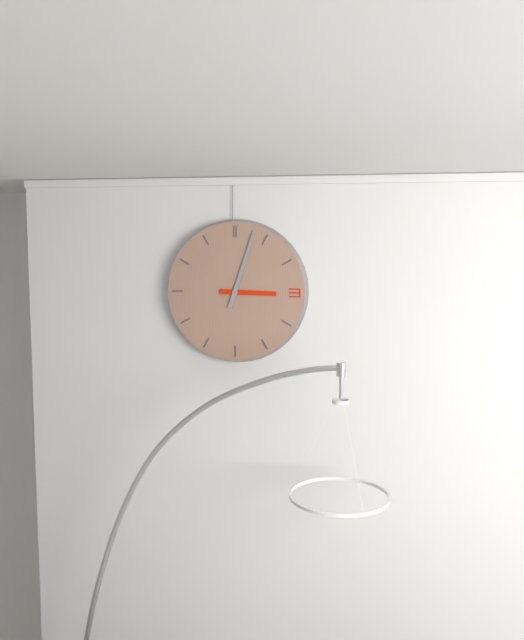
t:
3,03
